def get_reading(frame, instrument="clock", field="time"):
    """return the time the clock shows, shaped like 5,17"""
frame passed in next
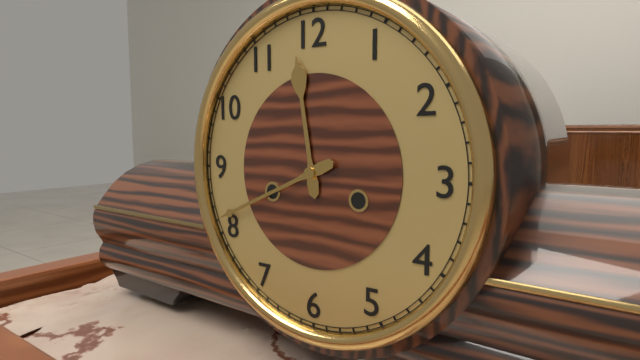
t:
11,41
